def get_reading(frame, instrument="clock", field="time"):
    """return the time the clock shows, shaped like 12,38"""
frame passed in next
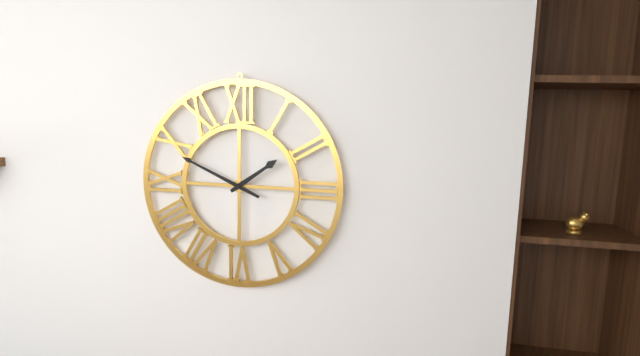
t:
1,49
